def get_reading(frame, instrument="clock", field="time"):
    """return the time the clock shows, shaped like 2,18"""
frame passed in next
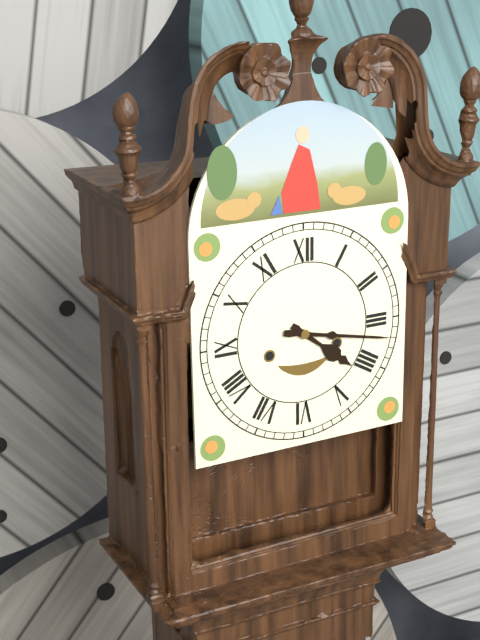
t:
4,17
